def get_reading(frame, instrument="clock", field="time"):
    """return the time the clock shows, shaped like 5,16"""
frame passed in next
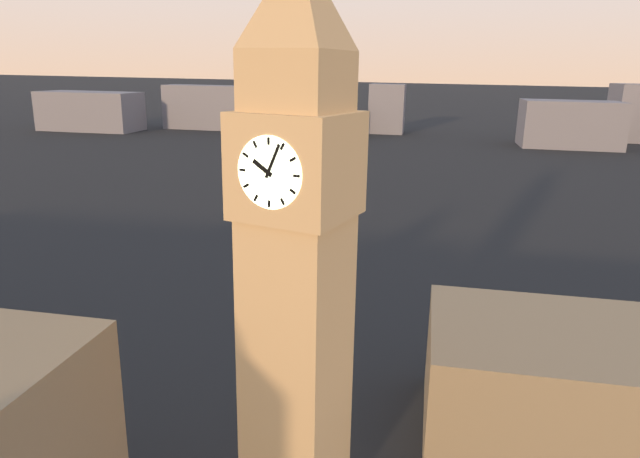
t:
10,04
